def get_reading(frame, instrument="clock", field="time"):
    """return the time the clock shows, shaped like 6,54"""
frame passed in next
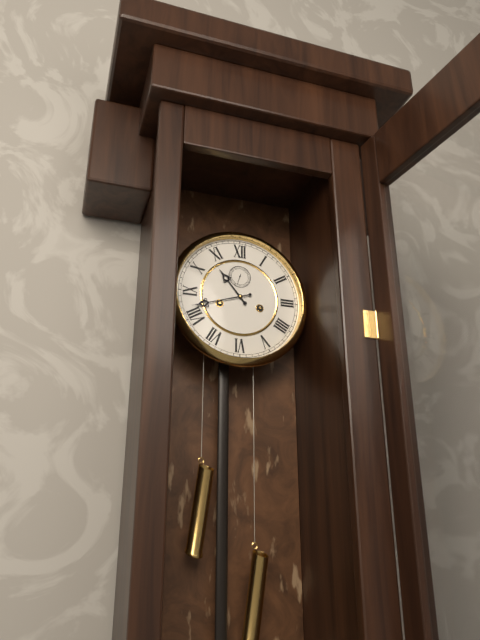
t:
10,42
